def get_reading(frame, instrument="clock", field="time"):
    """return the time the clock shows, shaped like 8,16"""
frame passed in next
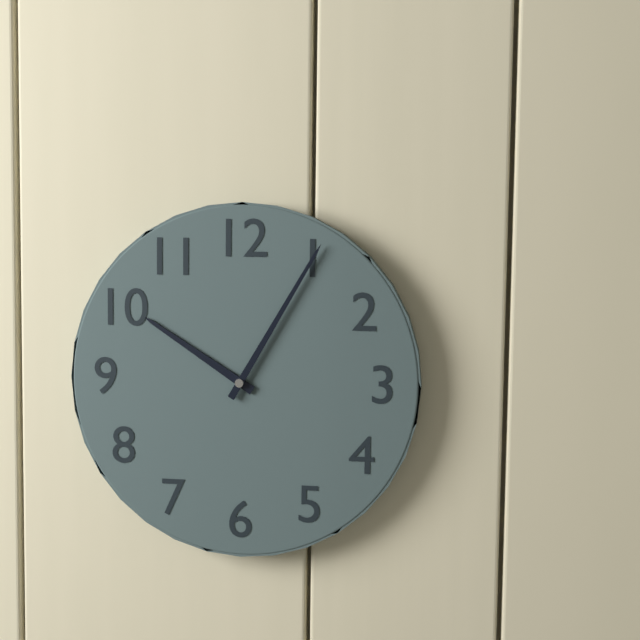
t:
10,05
